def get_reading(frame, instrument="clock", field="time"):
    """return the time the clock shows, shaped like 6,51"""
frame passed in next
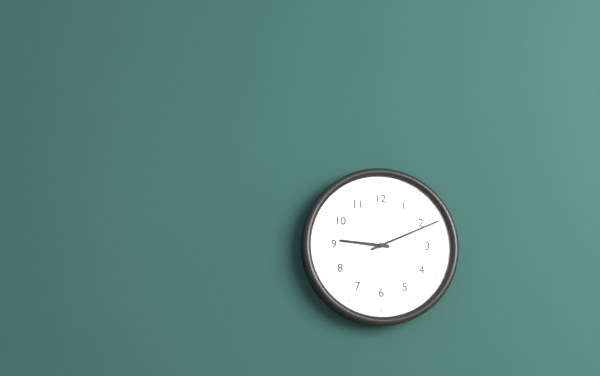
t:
9,11
